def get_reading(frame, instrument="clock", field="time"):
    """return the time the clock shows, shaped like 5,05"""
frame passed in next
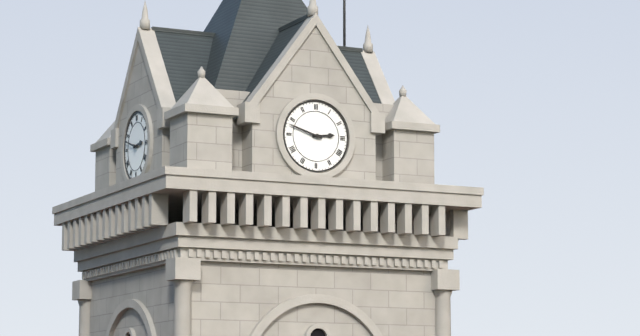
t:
2,48
